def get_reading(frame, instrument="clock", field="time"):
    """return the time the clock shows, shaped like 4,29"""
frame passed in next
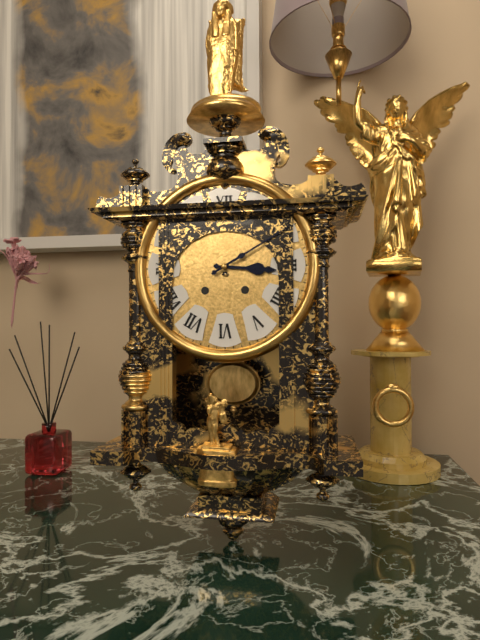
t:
3,10
